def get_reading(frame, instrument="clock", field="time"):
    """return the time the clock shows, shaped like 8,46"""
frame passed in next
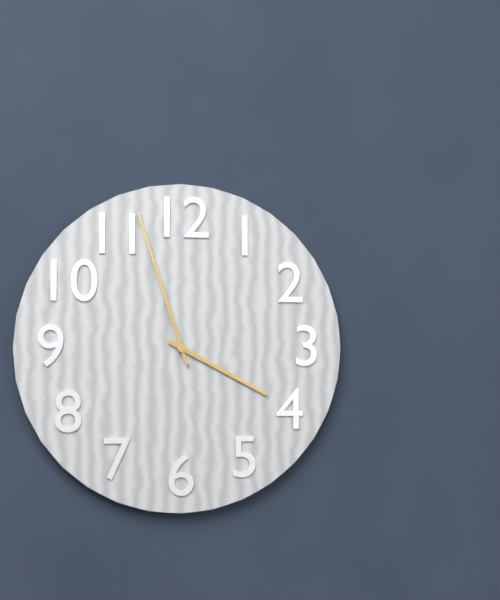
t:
3,57
